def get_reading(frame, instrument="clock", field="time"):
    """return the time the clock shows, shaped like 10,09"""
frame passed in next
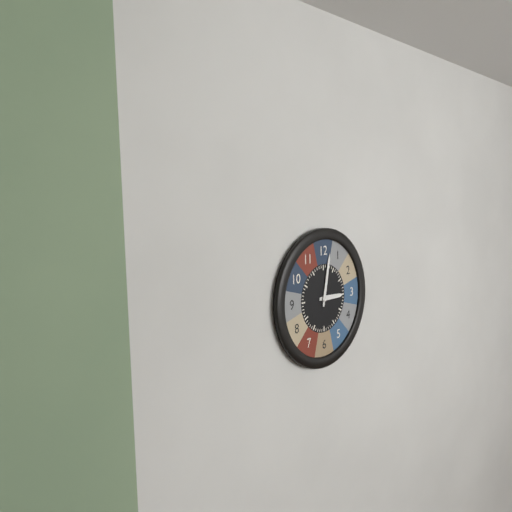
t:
3,02
